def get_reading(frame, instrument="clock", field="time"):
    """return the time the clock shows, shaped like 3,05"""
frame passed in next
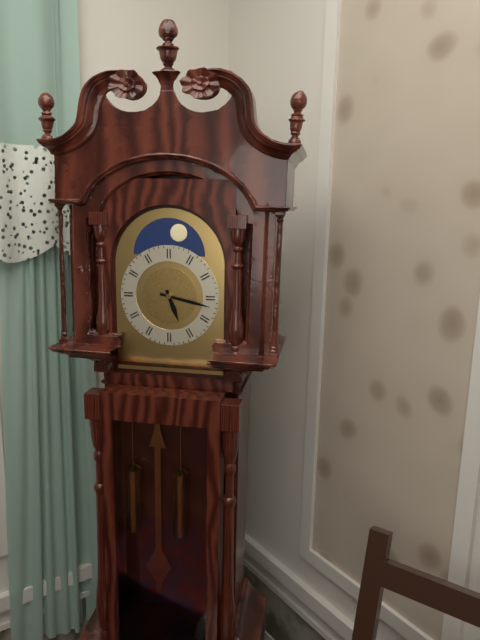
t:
5,17
